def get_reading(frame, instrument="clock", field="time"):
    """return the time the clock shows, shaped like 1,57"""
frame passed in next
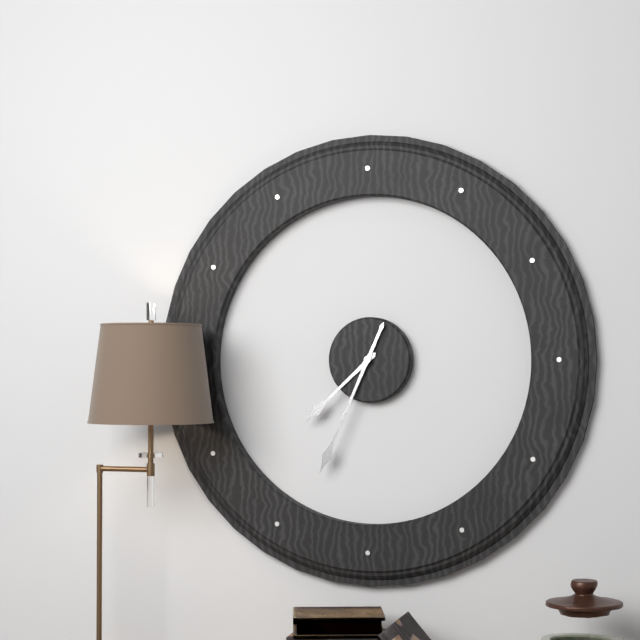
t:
7,34
